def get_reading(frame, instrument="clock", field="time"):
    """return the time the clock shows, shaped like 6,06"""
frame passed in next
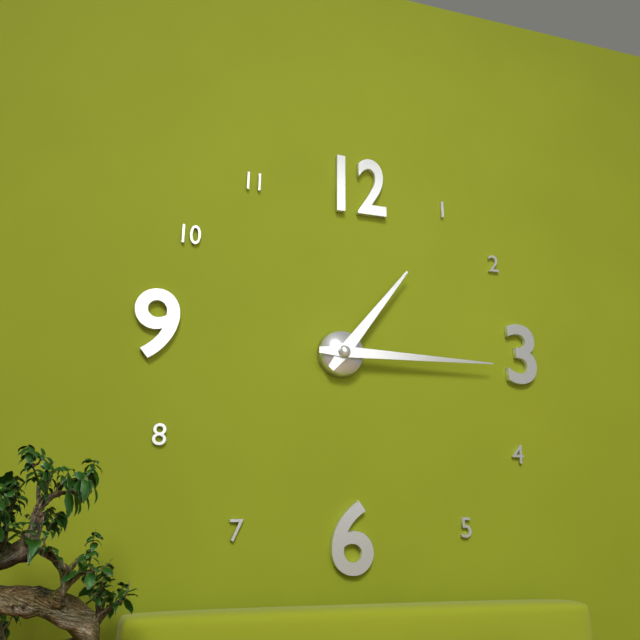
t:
1,15
